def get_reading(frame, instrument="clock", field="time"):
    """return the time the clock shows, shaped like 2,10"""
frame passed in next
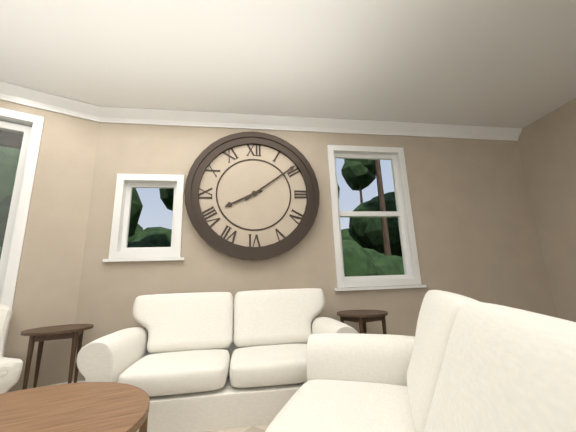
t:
8,09
